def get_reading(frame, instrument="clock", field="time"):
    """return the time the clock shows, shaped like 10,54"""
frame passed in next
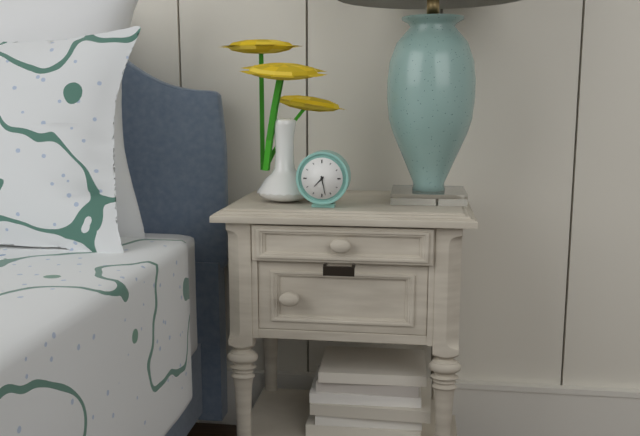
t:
7,28
